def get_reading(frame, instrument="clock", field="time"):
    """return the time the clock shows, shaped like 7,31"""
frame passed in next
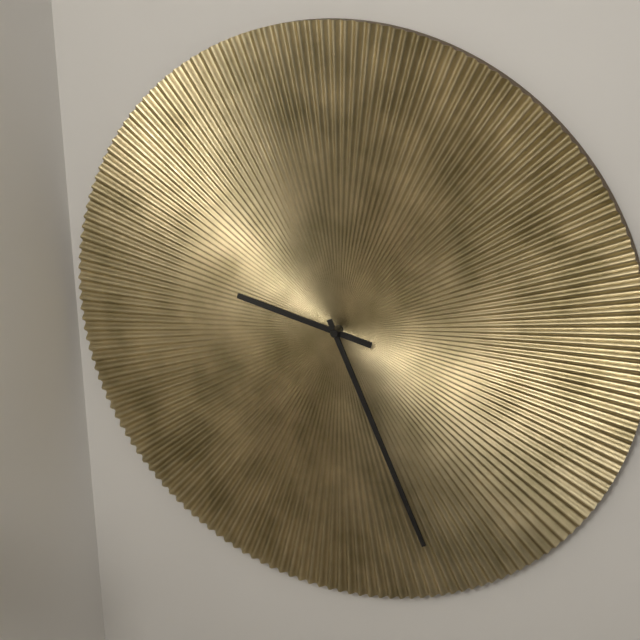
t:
9,26
